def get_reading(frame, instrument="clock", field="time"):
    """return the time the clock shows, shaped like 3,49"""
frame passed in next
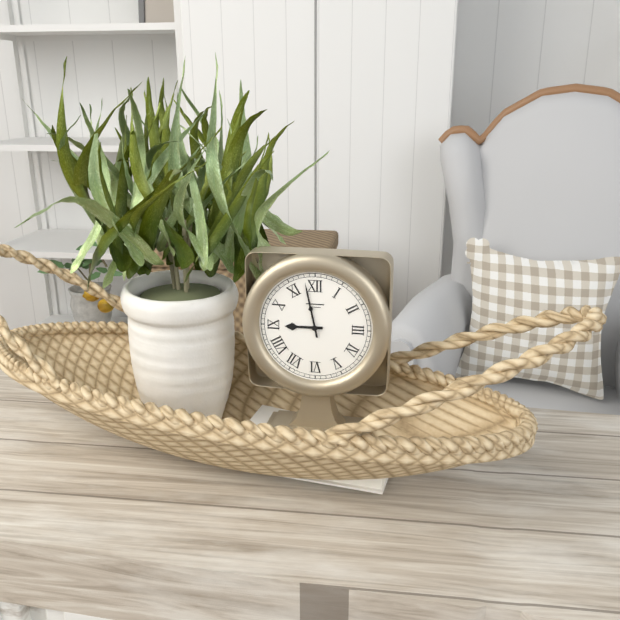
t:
8,58
